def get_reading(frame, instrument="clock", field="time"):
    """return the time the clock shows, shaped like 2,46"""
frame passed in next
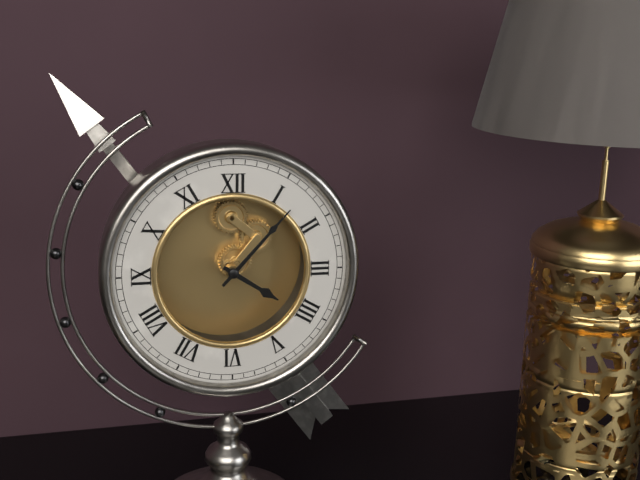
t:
4,07
